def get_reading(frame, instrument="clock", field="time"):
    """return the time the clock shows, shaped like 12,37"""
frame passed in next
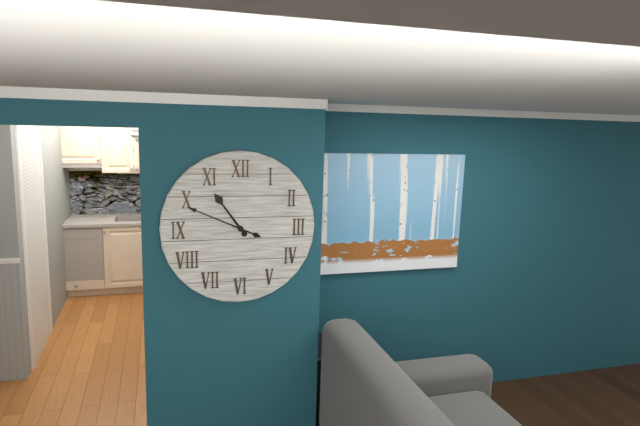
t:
10,49
